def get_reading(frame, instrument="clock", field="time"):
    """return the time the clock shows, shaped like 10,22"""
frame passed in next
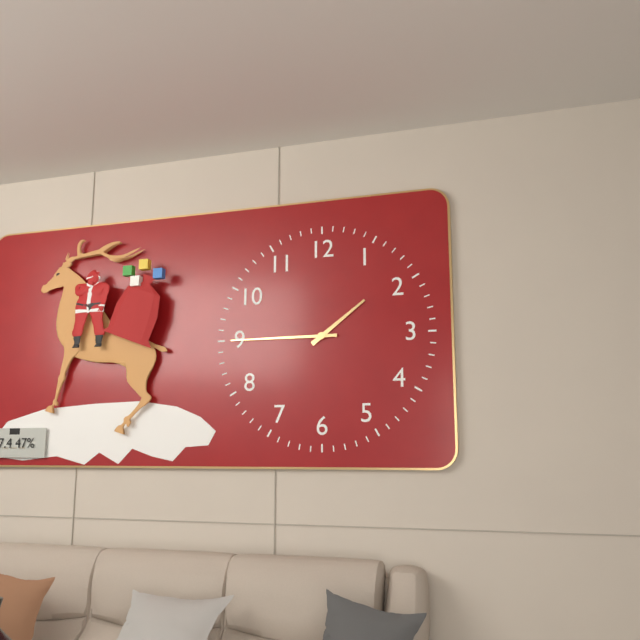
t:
1,45
